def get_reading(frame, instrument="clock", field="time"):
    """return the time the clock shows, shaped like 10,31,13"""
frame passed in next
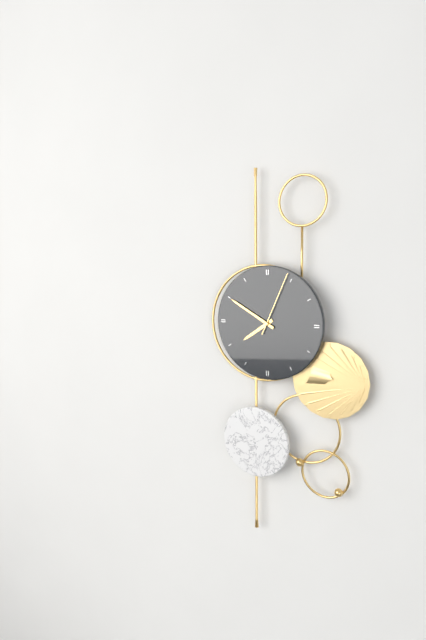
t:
7,50,04
